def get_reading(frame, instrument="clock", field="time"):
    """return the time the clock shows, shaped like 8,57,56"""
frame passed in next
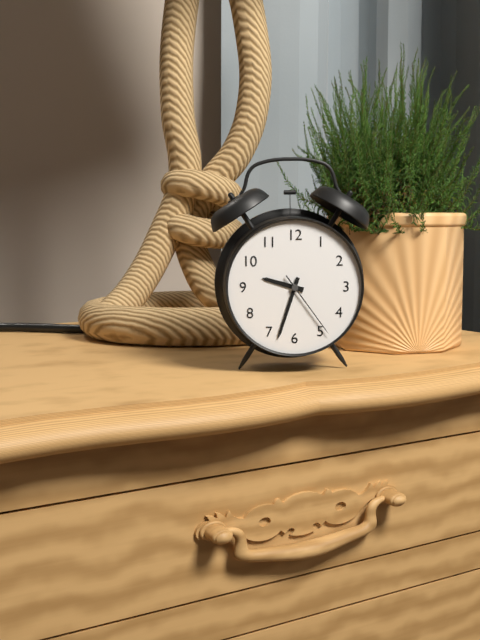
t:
9,33,24
